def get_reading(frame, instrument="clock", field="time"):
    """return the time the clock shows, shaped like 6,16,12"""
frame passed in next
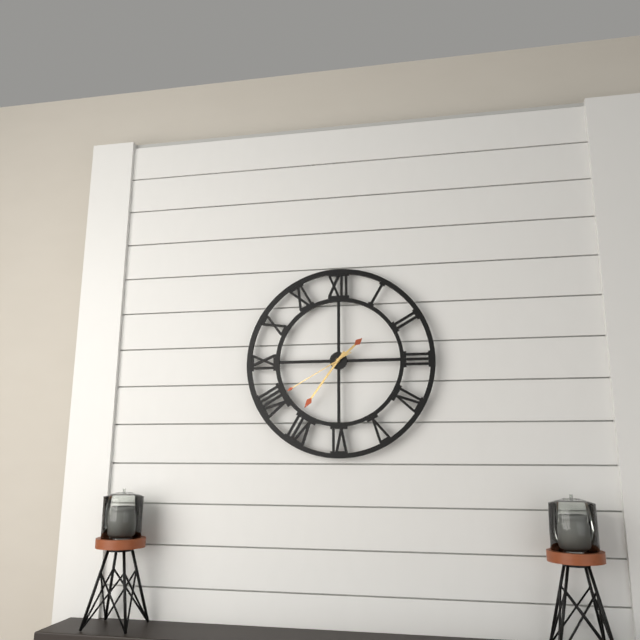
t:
1,36,40
